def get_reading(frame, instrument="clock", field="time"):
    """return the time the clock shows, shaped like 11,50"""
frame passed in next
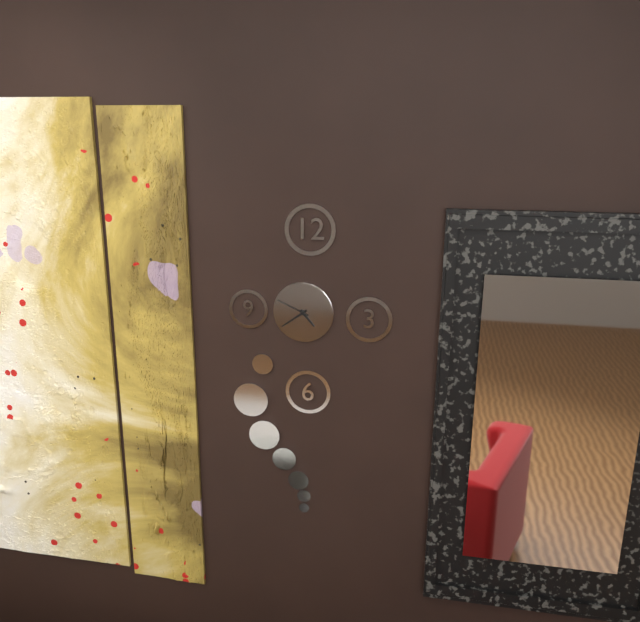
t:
4,39
